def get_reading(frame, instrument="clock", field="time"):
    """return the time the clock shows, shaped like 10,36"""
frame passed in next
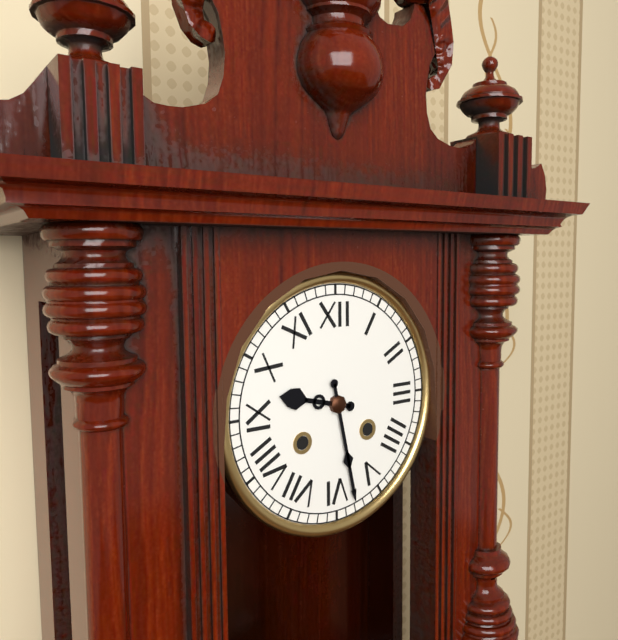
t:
9,28
